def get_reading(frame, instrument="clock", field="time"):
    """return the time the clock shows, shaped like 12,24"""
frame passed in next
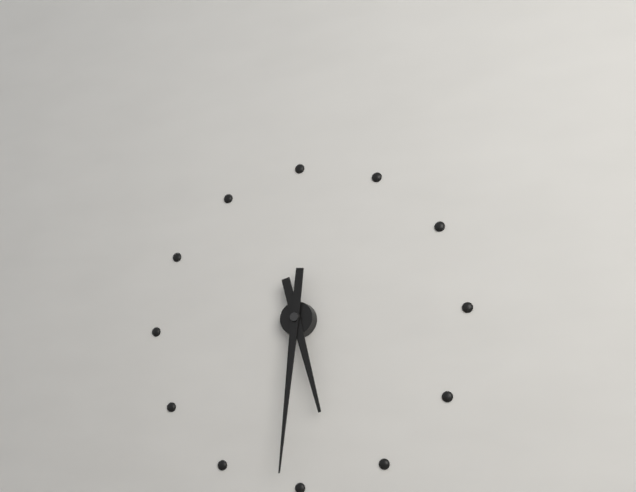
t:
5,31
